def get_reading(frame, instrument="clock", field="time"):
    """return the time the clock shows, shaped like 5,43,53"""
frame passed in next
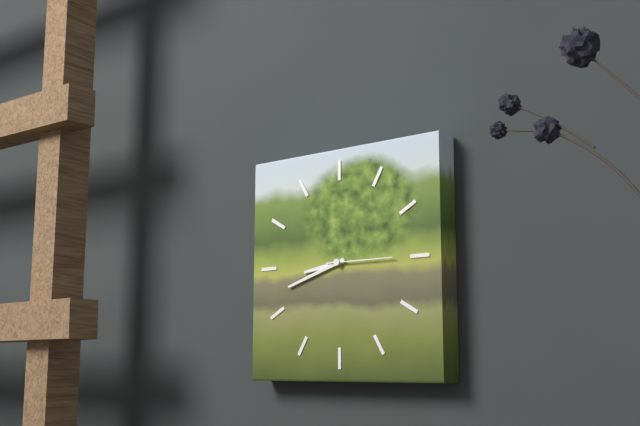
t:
8,42,15
